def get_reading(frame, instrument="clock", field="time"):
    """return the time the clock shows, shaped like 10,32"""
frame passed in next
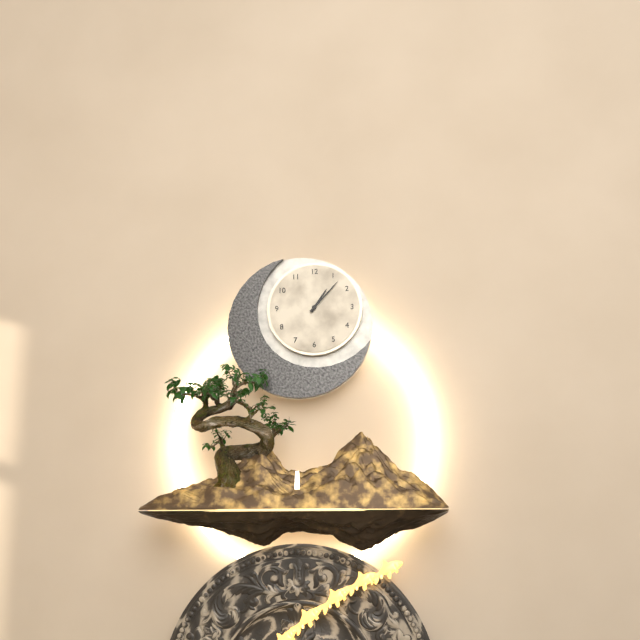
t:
1,07
